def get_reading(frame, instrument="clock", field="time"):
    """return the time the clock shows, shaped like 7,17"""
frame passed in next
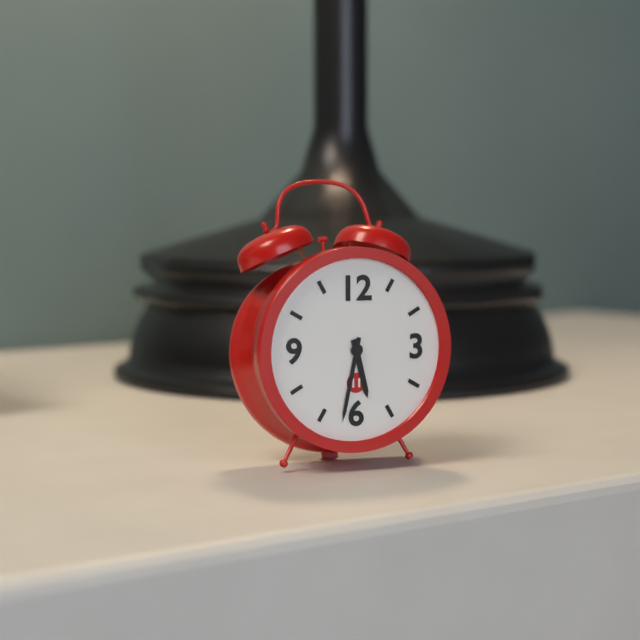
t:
5,32
